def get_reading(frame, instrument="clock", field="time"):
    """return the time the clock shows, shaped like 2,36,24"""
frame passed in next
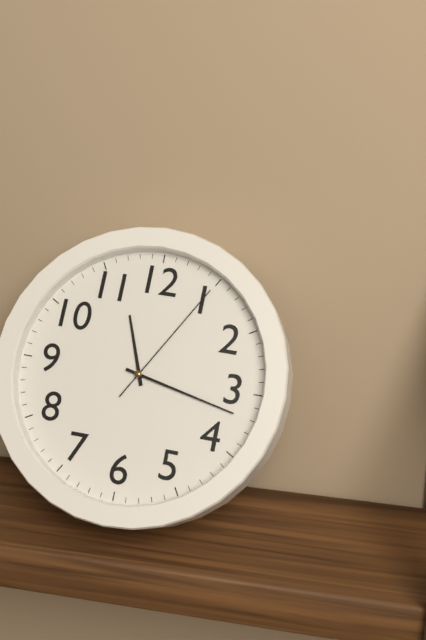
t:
11,17,05
